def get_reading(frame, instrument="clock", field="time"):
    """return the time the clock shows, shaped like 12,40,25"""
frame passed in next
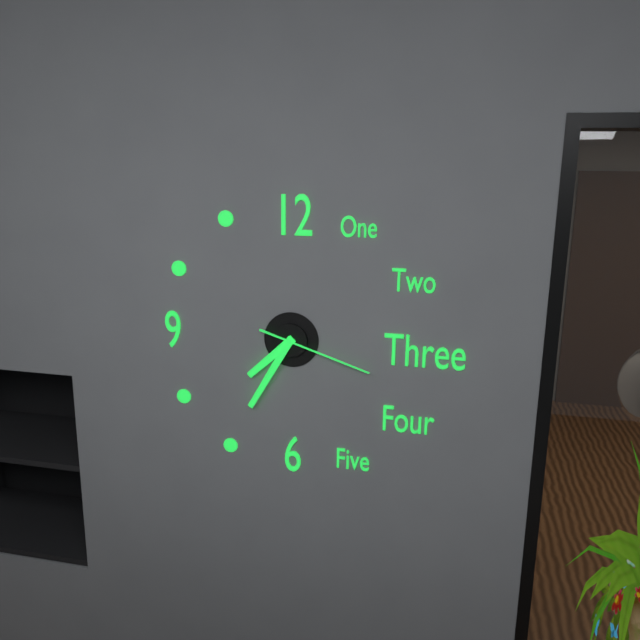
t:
7,35,18
